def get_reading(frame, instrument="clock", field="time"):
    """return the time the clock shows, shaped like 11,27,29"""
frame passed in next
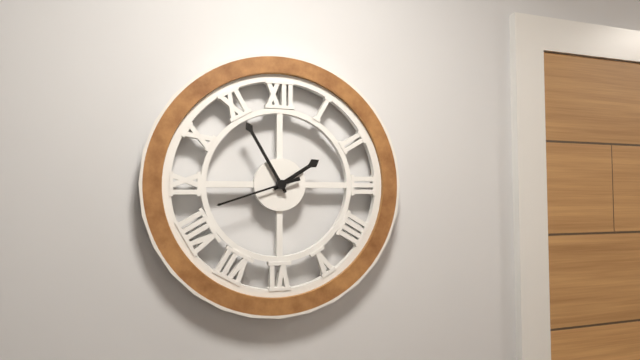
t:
1,55,42
